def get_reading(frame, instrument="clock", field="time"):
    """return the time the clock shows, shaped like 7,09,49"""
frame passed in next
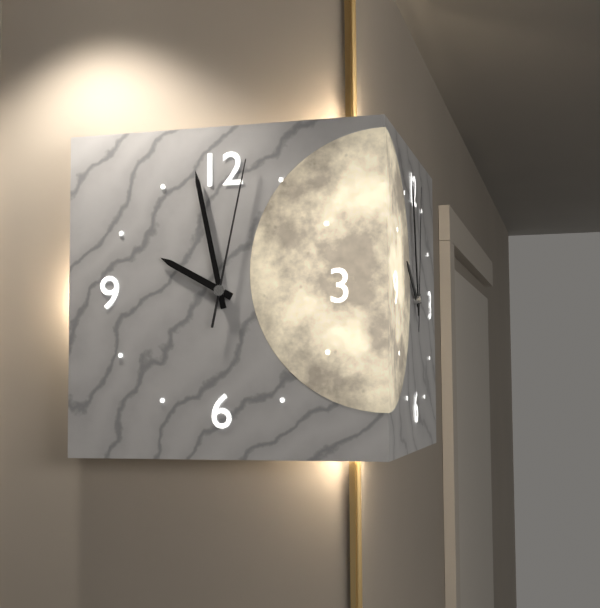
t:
9,58,02
